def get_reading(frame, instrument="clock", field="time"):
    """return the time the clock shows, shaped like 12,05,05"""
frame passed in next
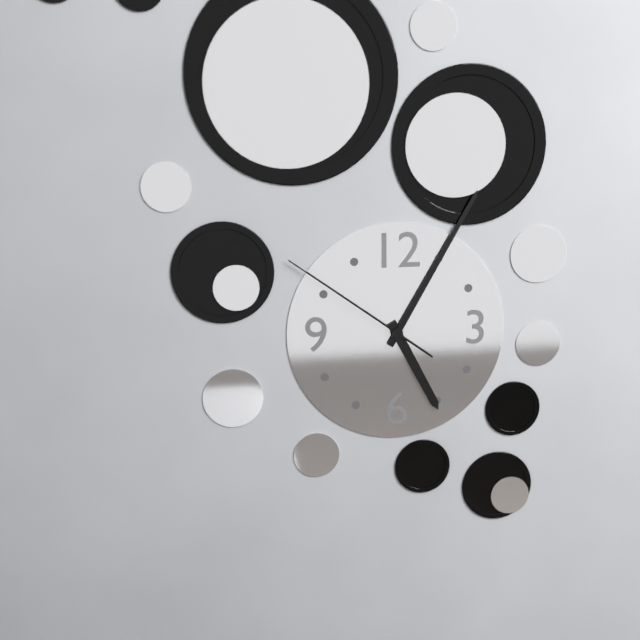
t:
5,05,51
